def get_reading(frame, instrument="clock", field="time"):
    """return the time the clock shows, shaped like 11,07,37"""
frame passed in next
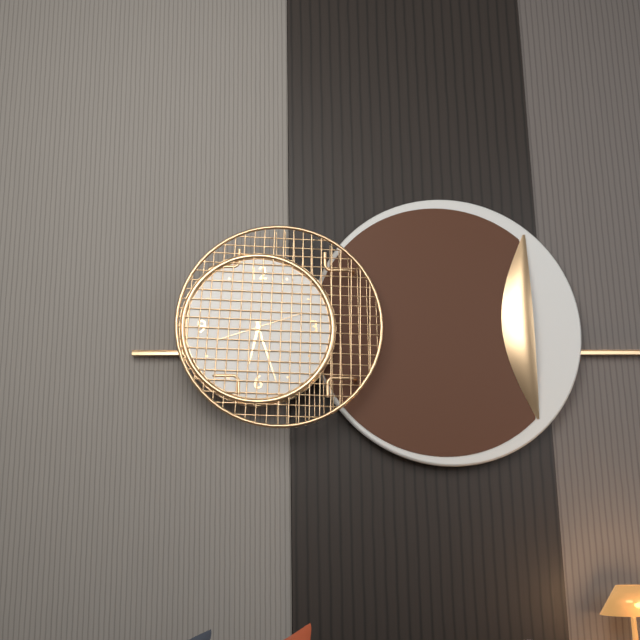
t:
6,27,12
